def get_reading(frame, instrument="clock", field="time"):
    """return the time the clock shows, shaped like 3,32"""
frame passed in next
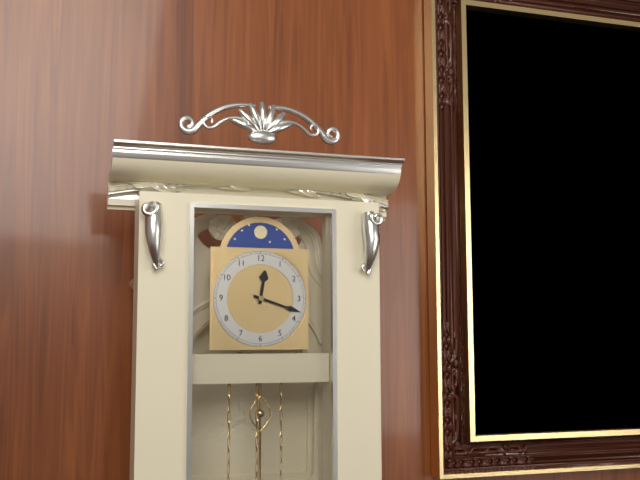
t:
12,18
